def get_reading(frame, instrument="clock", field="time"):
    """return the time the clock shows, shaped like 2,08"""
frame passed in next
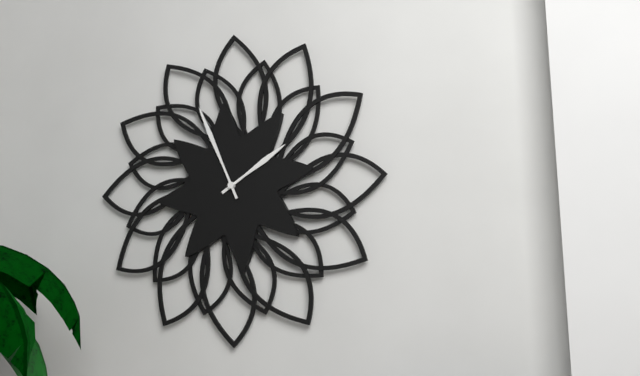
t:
1,56
